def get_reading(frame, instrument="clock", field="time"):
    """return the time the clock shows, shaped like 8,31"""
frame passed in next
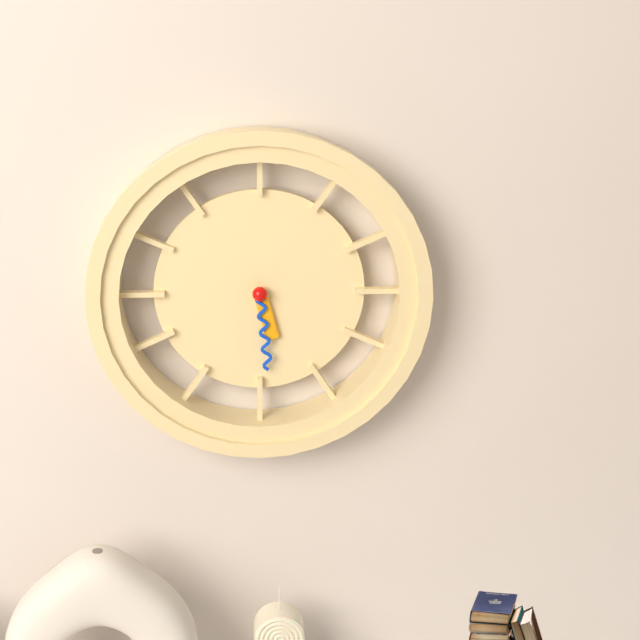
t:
5,29
